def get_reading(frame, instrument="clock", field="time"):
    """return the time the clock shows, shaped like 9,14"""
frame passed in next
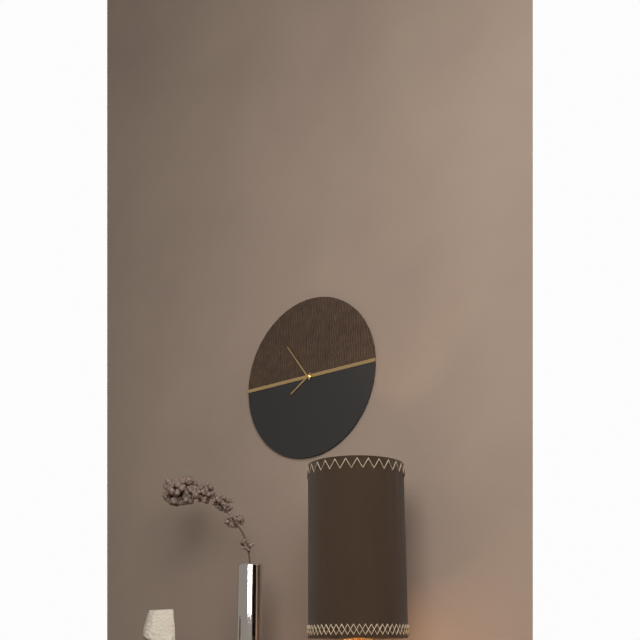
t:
7,54
